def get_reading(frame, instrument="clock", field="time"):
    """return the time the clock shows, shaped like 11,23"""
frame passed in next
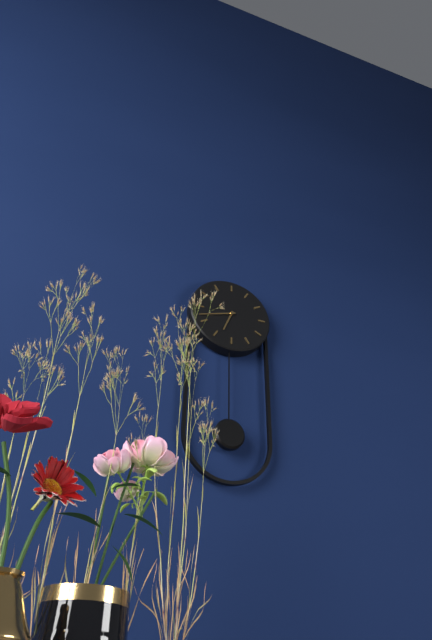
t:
6,42
